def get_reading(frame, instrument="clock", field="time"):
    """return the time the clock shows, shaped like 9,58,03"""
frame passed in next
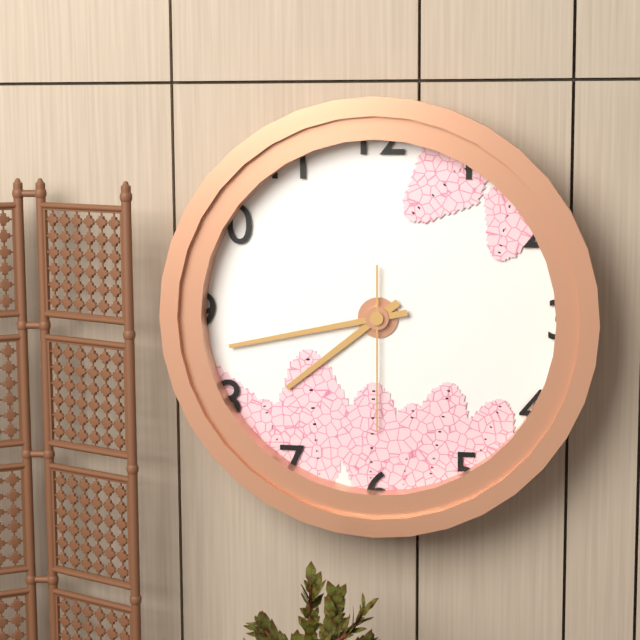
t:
7,43,30
